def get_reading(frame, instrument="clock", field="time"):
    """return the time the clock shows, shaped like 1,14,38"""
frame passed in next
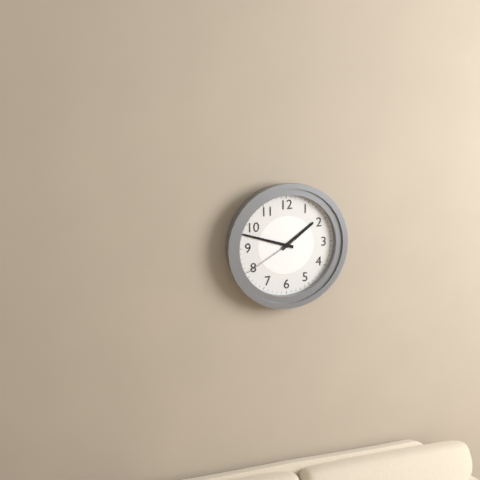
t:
1,48,40
